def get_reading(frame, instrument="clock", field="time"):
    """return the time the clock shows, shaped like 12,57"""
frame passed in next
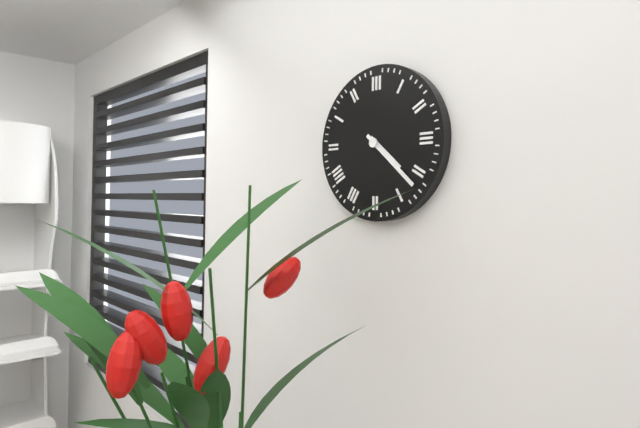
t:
4,22
